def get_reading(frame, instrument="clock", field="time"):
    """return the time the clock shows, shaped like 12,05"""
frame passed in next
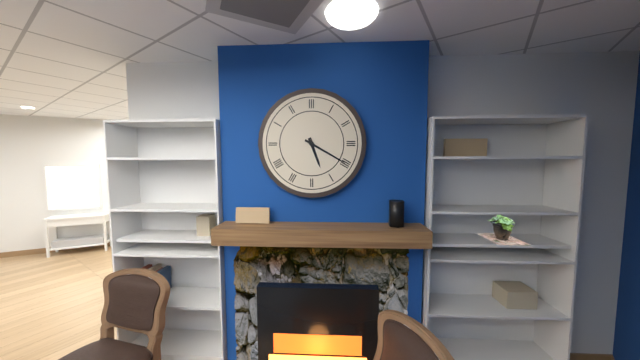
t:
5,20
